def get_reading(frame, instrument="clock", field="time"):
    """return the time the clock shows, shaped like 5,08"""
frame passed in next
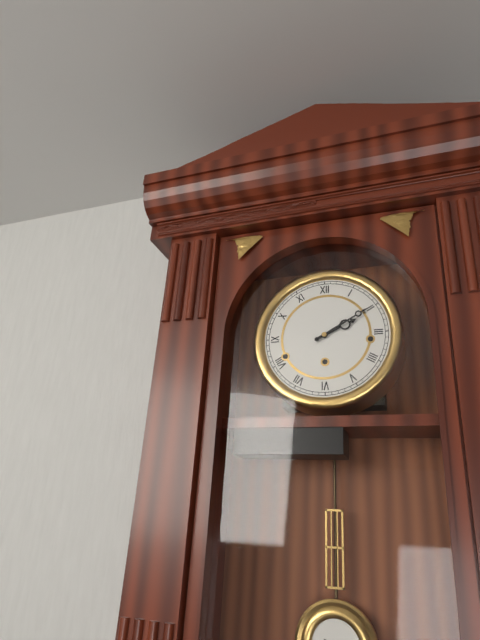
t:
2,10
